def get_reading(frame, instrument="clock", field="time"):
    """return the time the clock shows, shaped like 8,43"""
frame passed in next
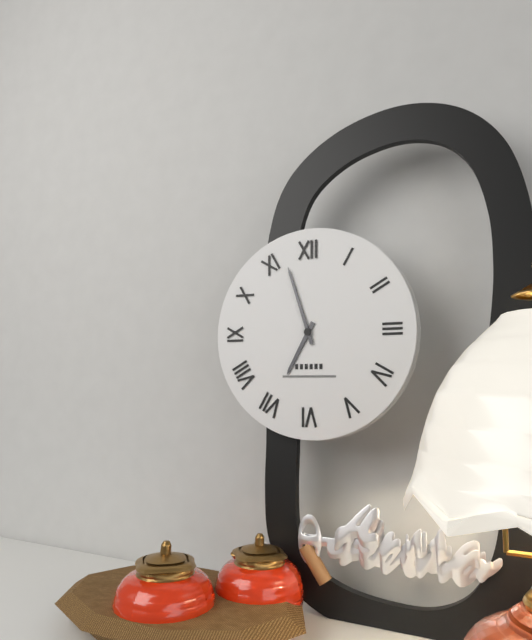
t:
6,57
